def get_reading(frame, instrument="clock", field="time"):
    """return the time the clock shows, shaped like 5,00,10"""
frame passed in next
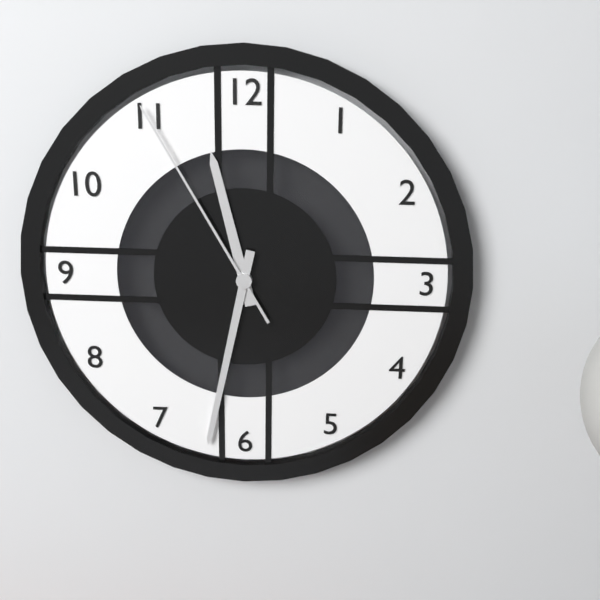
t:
11,32,55
